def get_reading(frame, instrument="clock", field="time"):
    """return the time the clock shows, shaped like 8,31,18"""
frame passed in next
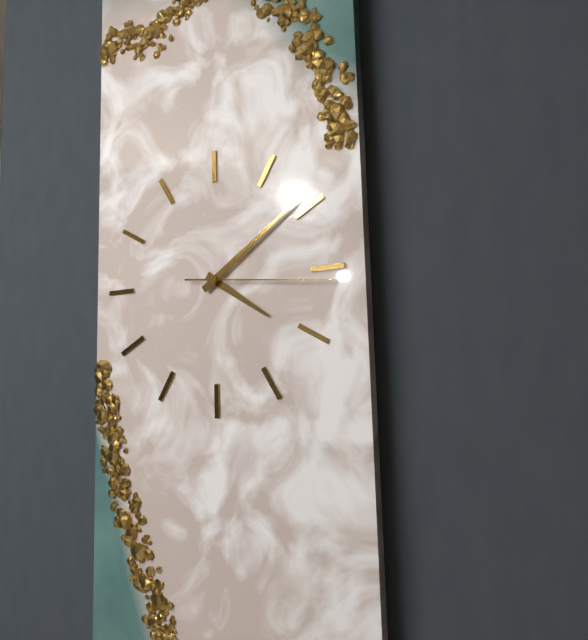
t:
4,09,16
